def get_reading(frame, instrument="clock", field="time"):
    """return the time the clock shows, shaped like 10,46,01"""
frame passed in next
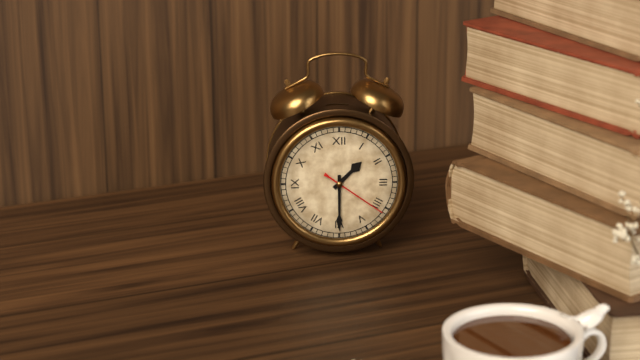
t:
1,30,21
